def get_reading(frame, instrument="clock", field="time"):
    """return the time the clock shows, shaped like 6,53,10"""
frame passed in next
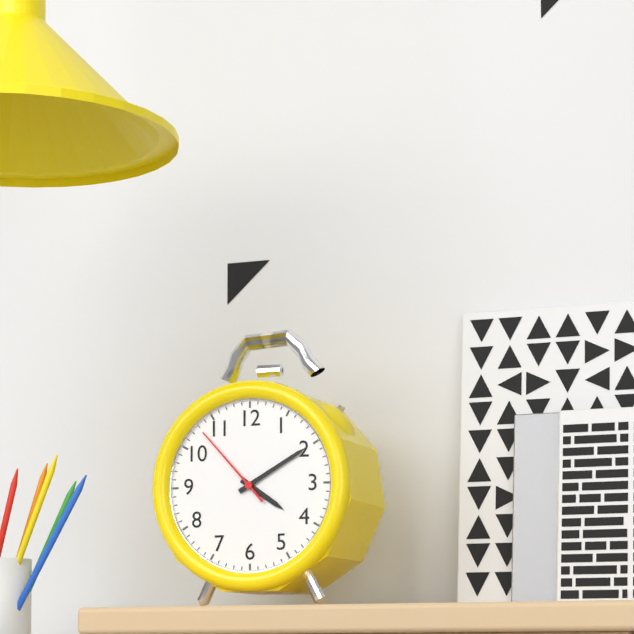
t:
4,10,53
